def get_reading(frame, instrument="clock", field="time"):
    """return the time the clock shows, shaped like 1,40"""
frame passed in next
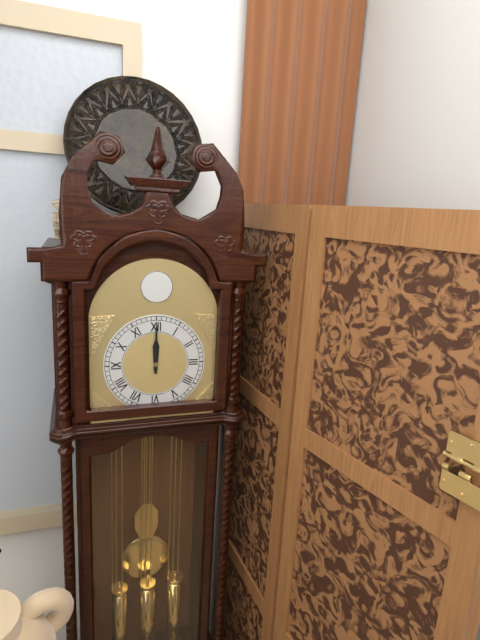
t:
12,00
